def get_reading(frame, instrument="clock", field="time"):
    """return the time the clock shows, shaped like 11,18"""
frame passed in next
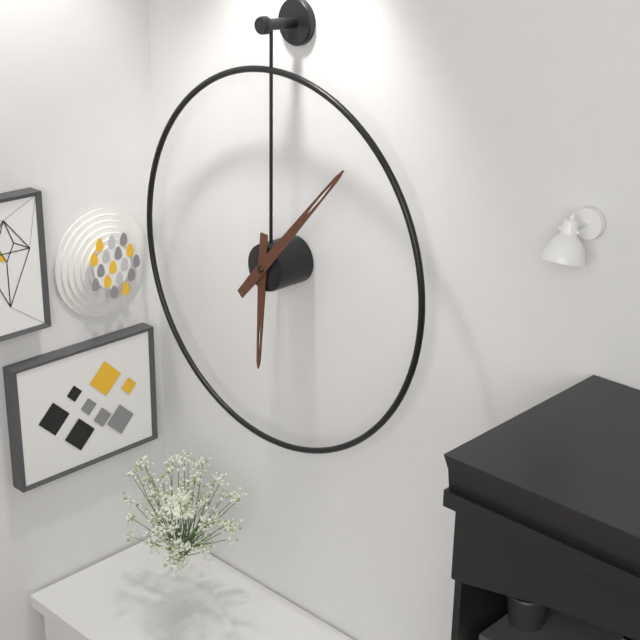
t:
6,07
